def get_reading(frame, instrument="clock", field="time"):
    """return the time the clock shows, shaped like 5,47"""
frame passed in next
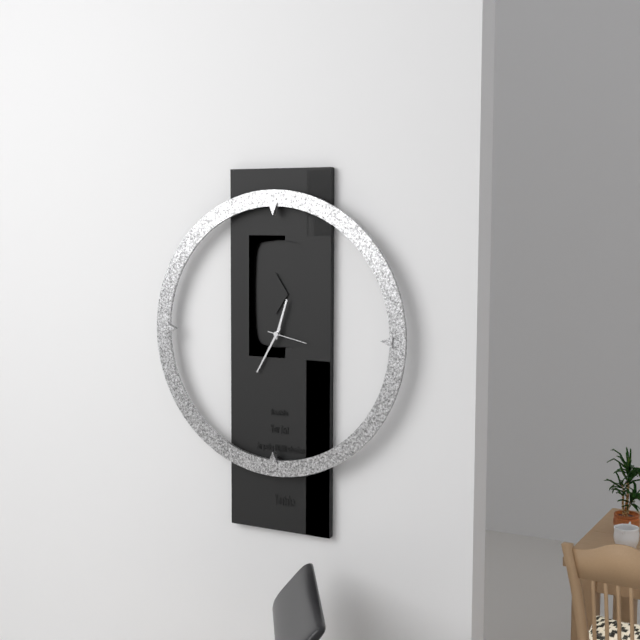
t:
12,35
